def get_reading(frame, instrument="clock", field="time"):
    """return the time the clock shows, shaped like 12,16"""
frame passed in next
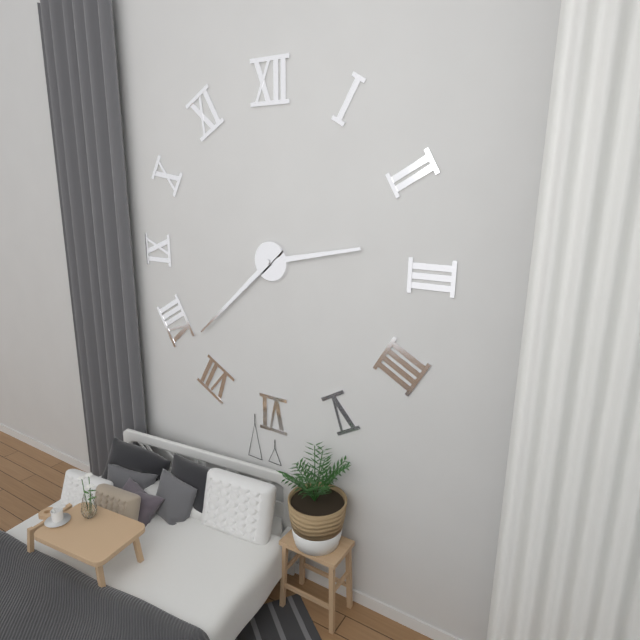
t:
2,38
